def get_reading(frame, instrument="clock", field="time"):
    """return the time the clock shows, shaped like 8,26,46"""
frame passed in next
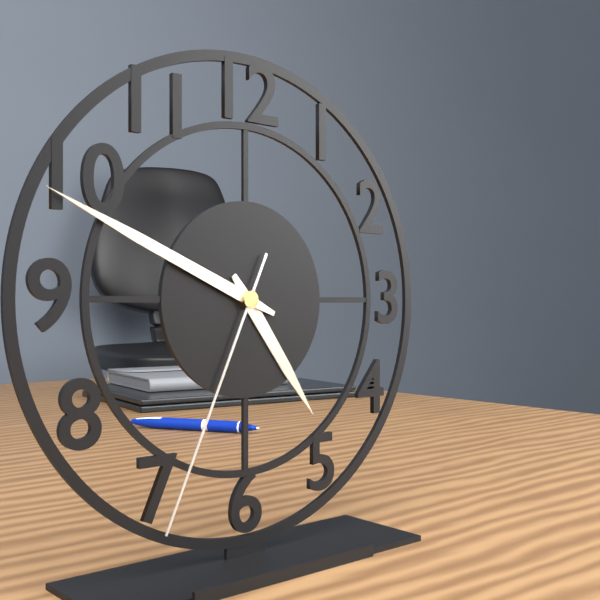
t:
4,49,34
